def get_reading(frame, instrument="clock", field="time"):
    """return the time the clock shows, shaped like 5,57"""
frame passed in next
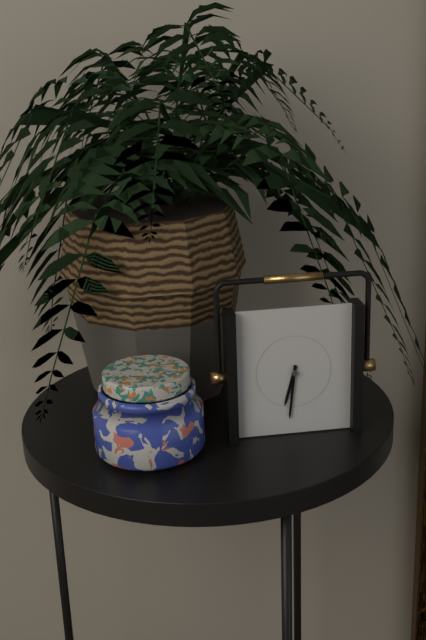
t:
6,31
